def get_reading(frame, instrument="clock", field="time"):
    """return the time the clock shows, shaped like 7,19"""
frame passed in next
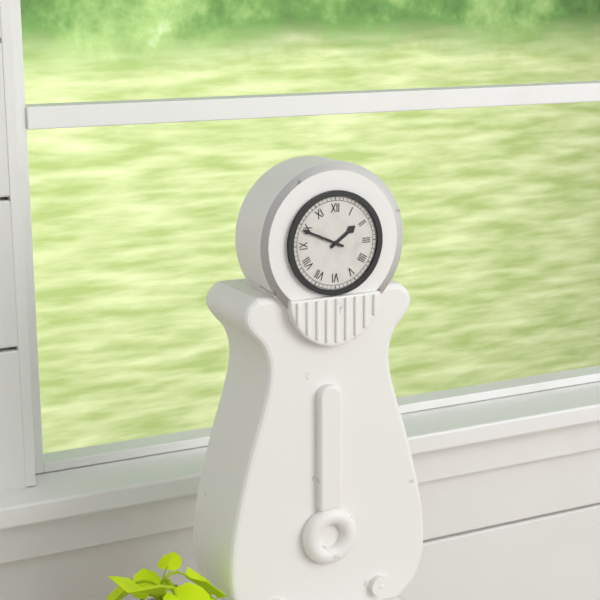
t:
1,49
